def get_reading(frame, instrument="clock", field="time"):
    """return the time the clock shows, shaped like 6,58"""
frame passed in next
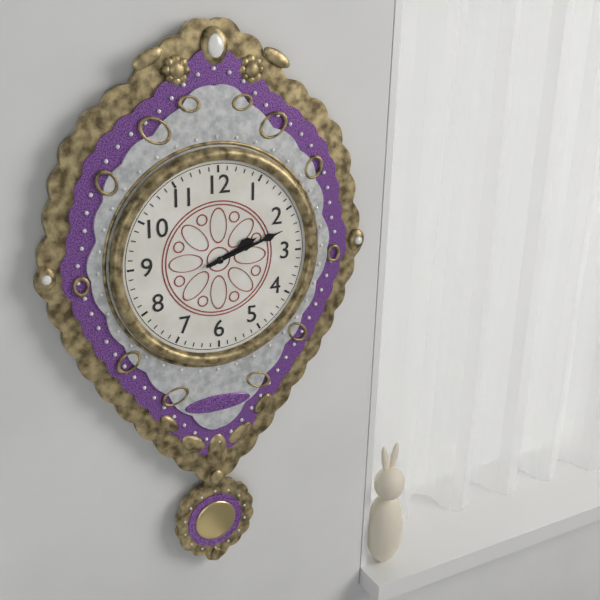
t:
2,12
